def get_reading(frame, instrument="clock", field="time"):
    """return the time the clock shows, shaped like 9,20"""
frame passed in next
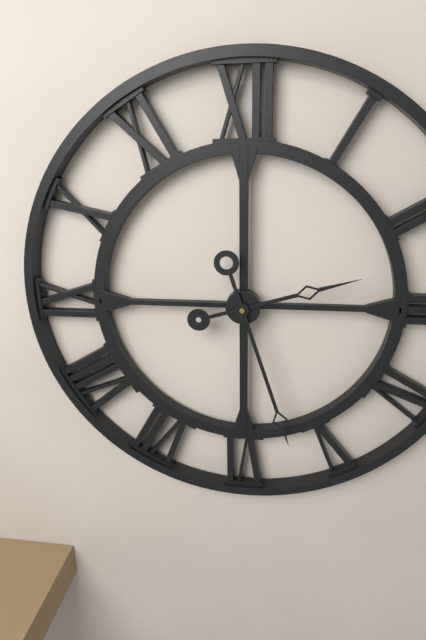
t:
2,27
